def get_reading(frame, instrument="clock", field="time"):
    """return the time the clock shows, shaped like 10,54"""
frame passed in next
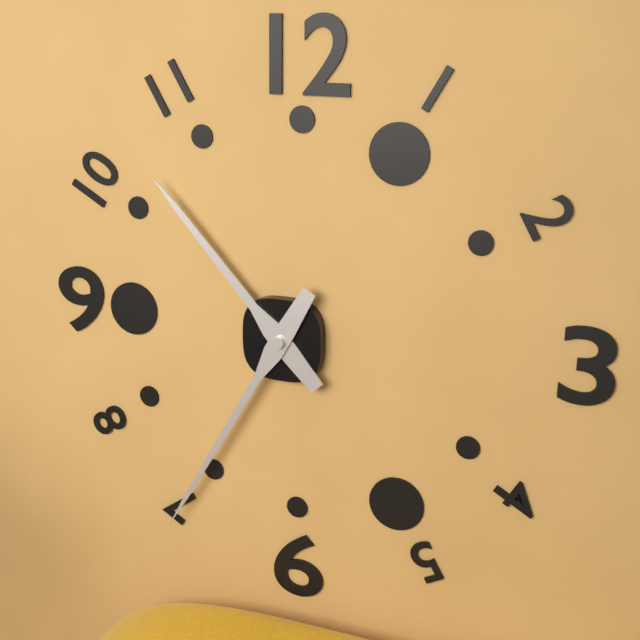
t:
10,35
